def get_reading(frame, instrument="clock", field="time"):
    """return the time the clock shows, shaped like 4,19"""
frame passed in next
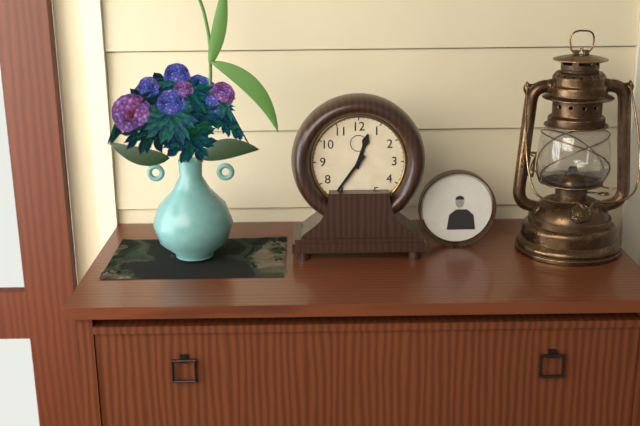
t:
12,36
